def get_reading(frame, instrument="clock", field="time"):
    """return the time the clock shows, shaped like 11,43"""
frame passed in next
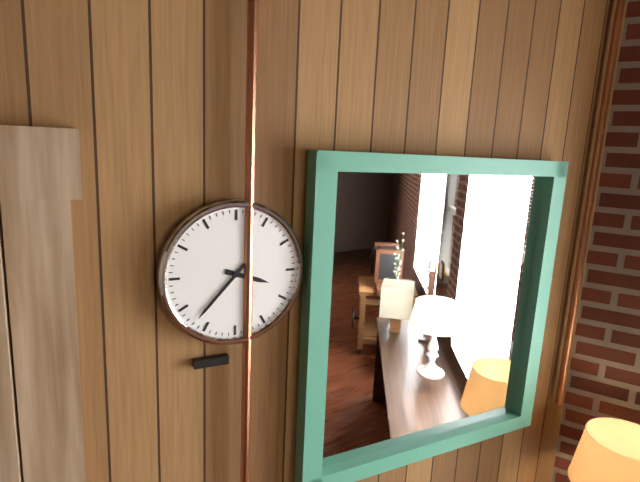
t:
3,37
